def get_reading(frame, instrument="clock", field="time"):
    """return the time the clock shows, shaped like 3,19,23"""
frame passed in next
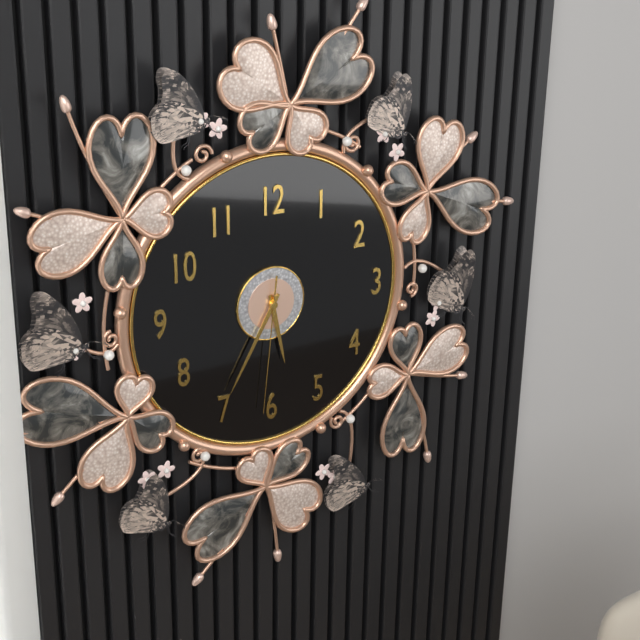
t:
5,35,31
